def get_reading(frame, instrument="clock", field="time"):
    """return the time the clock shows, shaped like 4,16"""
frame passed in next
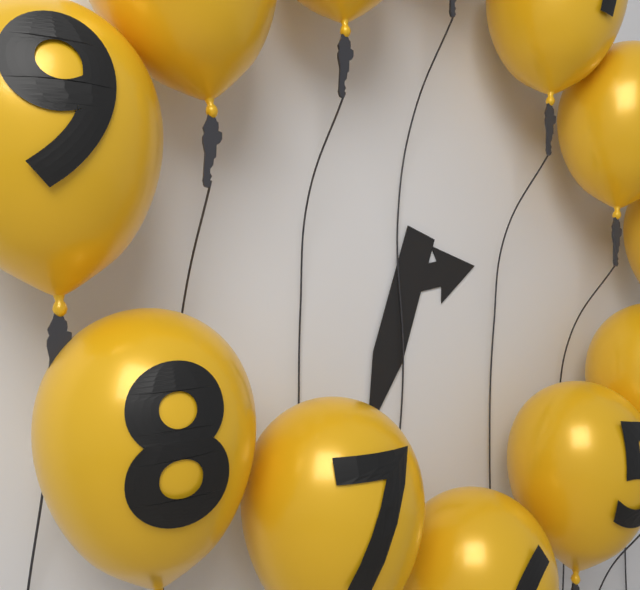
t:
2,33
